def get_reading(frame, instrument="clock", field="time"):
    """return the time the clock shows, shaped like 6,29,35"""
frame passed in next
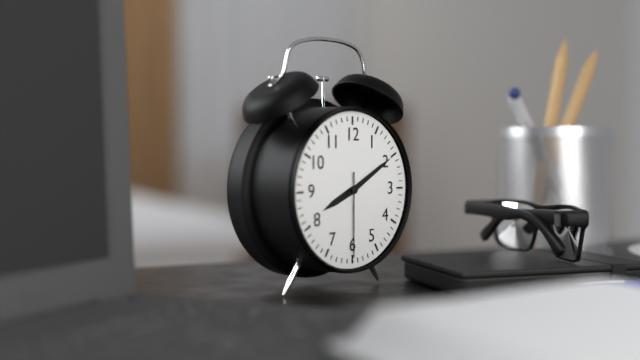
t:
8,10,30
